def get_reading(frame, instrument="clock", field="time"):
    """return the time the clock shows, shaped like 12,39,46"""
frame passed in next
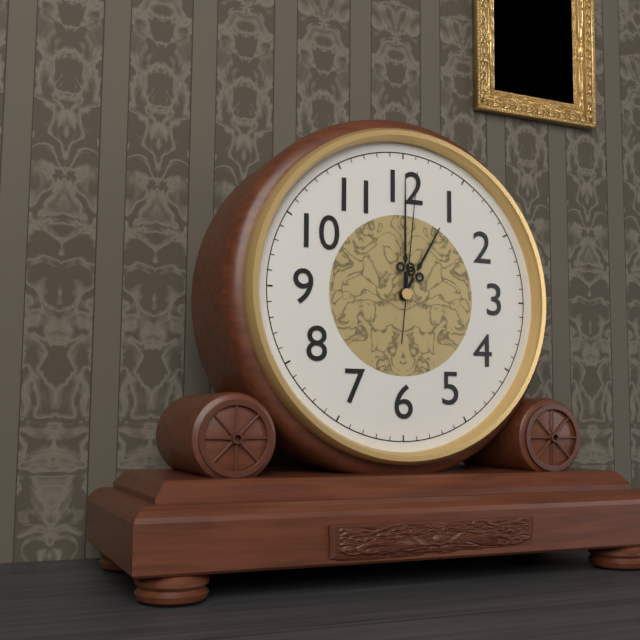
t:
1,00,01
